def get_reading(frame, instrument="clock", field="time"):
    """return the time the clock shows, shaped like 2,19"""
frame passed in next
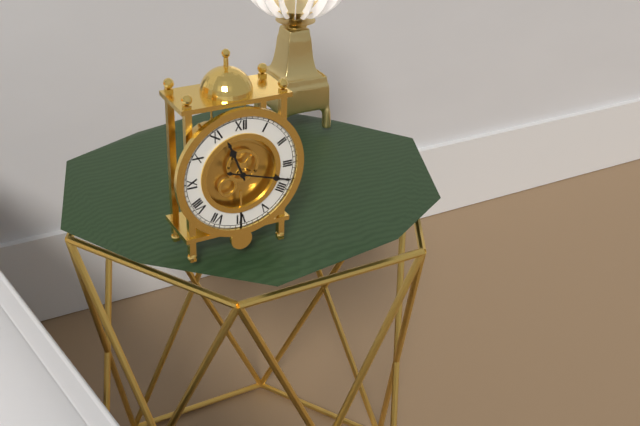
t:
11,18
